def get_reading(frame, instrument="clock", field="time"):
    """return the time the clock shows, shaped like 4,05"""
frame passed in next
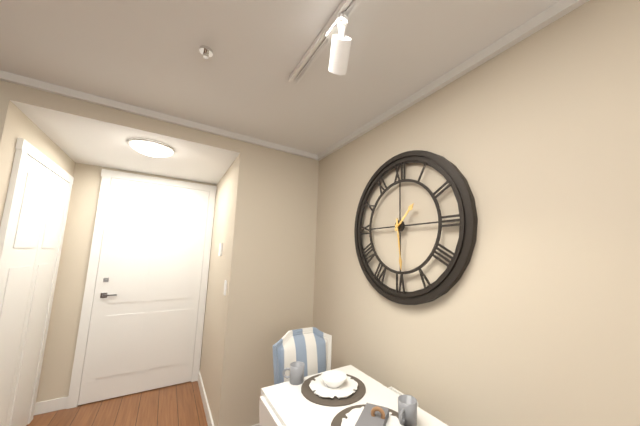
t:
1,29
